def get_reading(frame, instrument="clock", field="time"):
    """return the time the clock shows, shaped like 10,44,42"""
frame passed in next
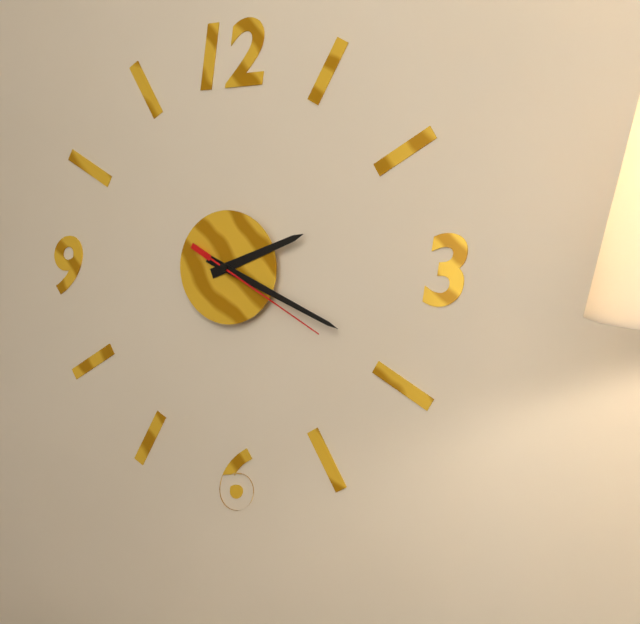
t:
2,19,20
